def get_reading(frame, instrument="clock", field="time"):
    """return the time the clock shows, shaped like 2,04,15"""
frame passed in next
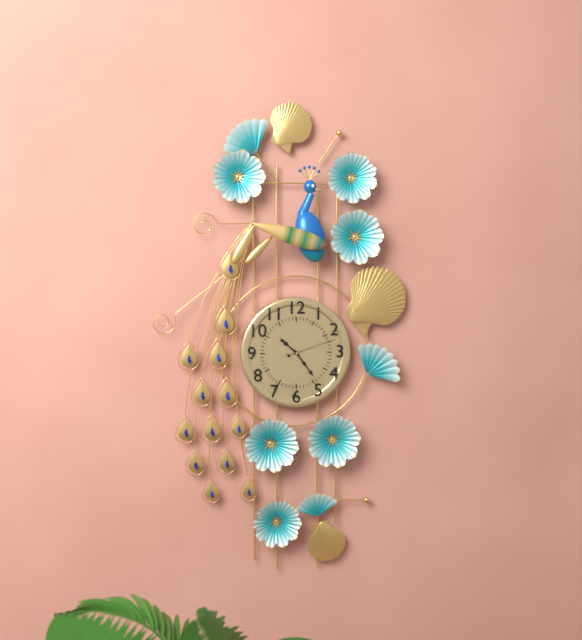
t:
10,24,12
